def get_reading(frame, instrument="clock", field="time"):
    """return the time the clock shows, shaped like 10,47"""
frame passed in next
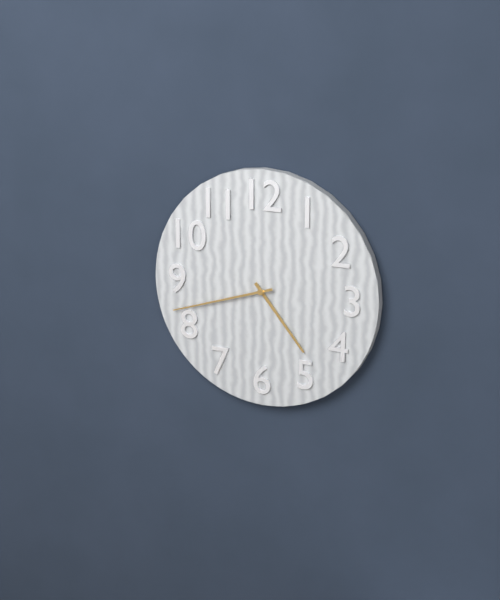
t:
4,42
